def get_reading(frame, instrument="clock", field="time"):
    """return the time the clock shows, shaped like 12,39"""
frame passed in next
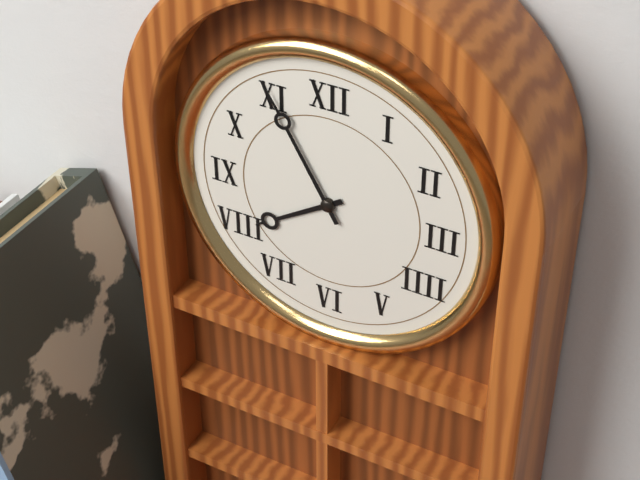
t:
7,55
